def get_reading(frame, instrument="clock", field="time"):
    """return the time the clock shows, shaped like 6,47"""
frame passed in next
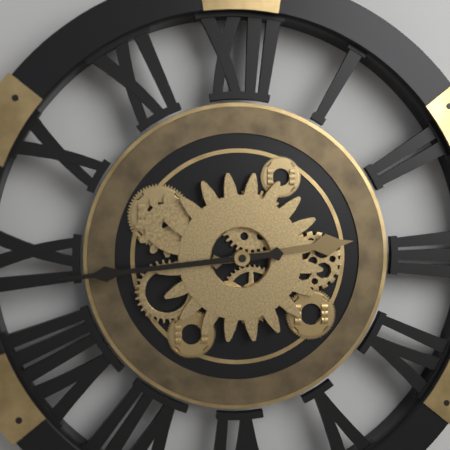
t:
2,44
